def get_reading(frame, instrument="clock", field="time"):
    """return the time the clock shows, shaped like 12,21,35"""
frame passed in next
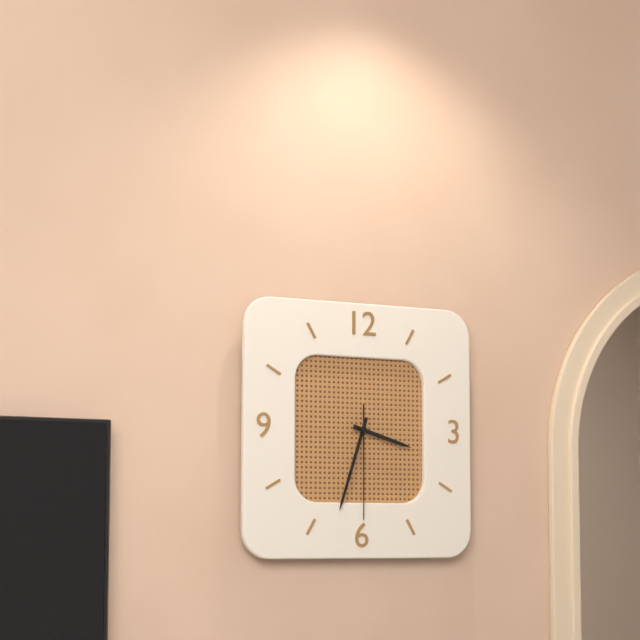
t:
3,33,30
